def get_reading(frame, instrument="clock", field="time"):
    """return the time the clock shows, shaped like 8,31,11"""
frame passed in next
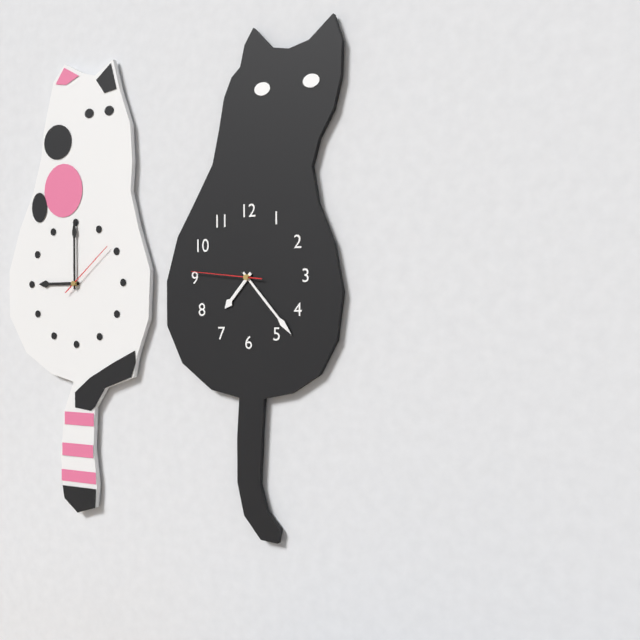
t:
7,23,46
